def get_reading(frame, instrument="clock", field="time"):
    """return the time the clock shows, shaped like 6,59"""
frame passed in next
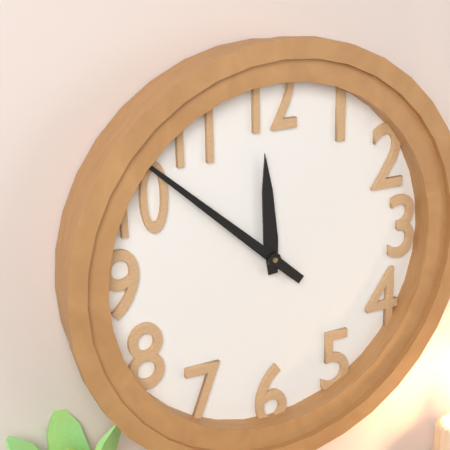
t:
11,52
